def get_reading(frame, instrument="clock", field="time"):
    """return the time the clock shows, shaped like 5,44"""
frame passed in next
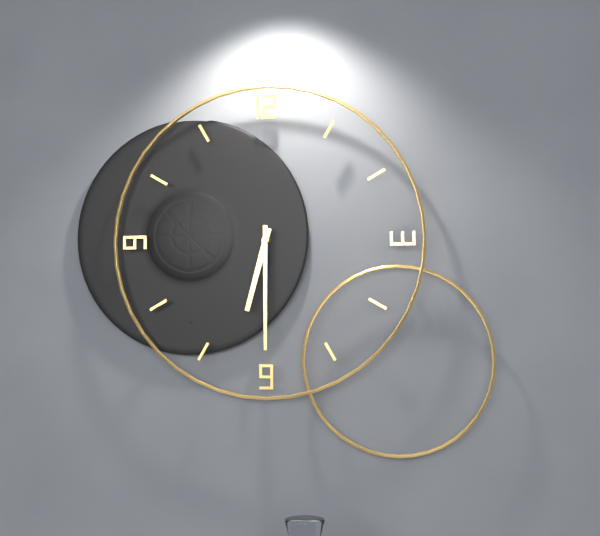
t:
6,30
